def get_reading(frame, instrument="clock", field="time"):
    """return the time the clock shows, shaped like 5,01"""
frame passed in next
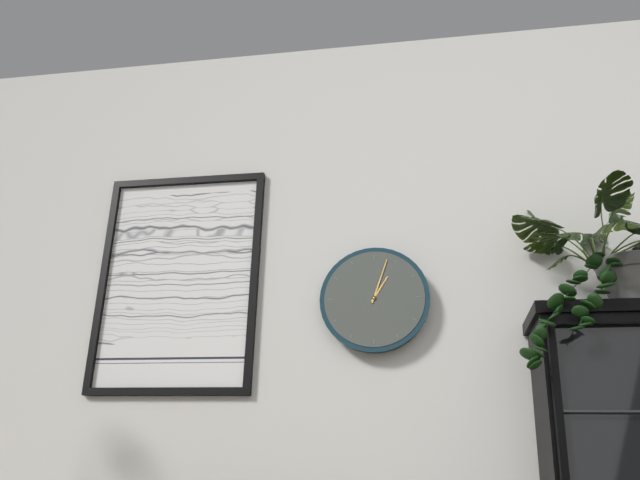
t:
1,03
